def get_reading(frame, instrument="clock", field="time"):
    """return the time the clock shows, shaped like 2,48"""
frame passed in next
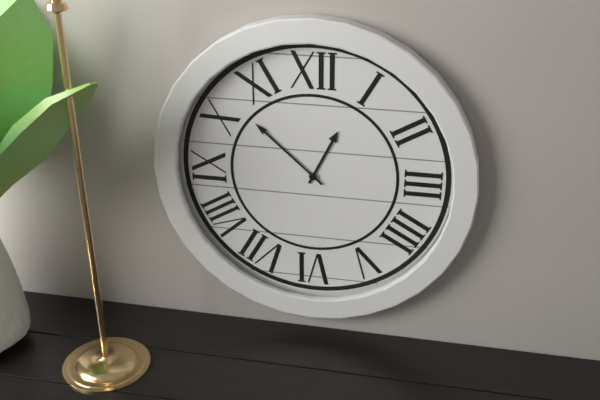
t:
12,52
